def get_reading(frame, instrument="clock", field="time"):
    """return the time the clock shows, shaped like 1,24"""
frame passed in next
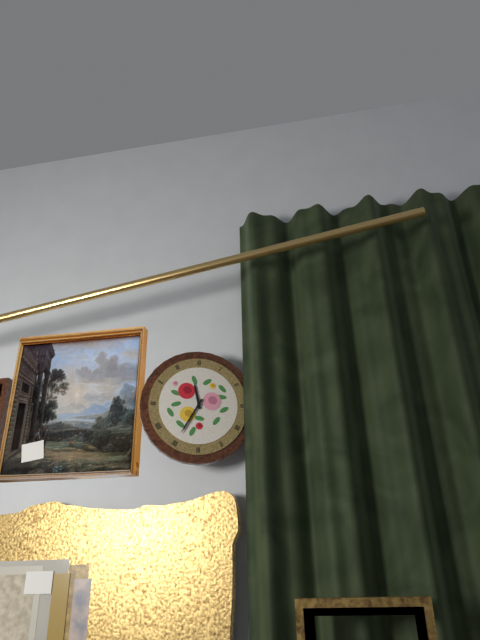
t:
11,35
